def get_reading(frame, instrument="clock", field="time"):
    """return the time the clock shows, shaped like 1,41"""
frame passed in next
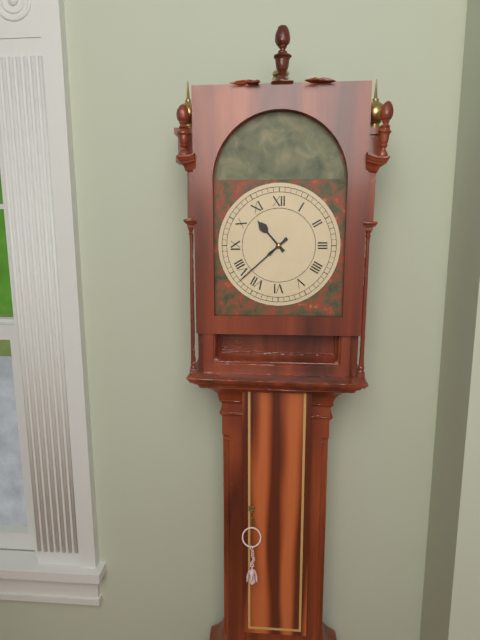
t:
10,38
